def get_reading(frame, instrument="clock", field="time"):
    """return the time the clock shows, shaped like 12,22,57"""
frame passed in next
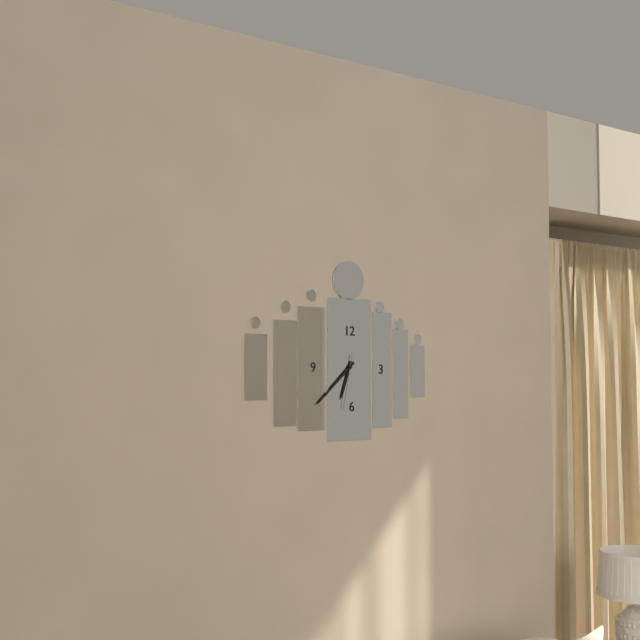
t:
6,38,32
